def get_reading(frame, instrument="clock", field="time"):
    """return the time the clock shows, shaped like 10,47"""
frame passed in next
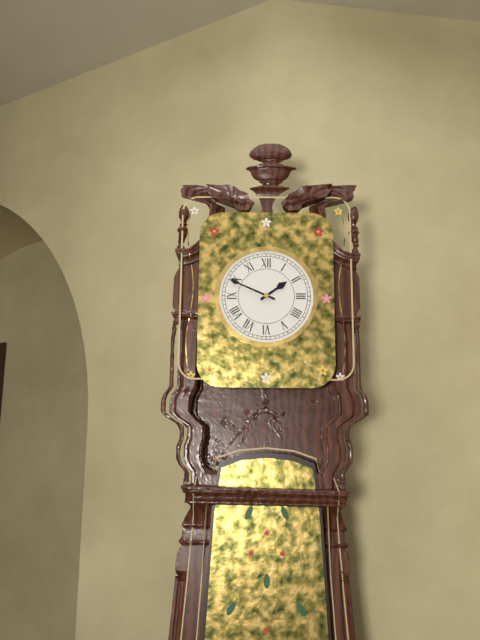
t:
1,49
